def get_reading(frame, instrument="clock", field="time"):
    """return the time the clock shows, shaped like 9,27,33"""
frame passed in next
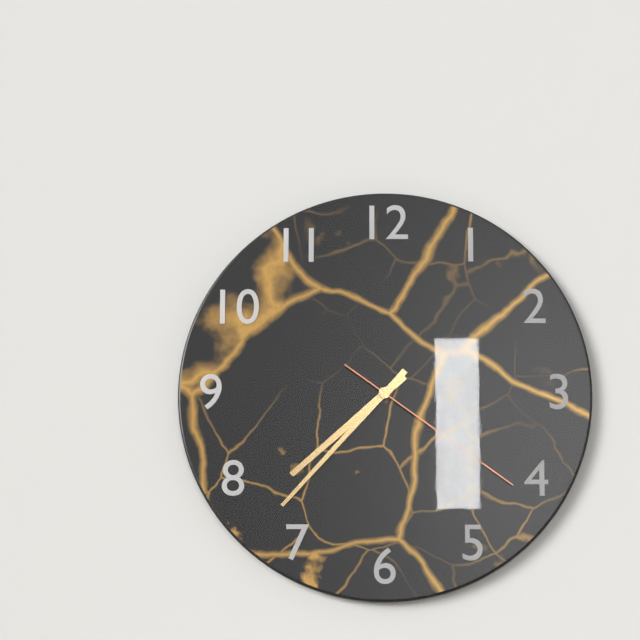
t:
7,37,21
